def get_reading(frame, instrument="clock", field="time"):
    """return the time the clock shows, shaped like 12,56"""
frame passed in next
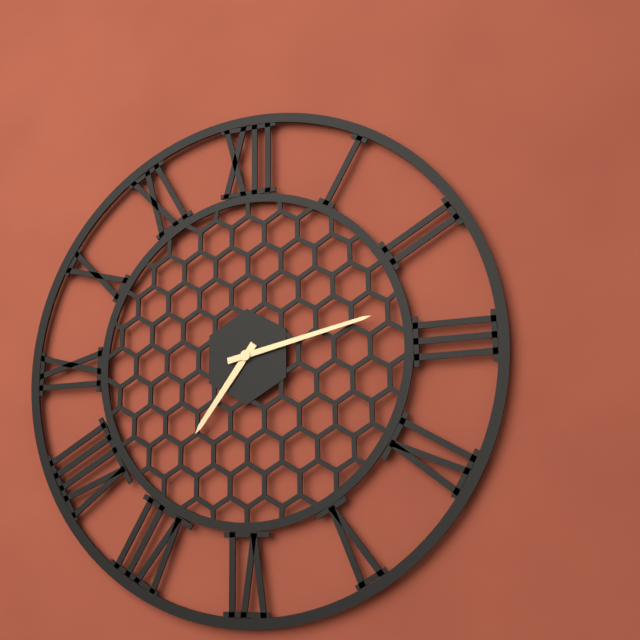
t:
7,13
